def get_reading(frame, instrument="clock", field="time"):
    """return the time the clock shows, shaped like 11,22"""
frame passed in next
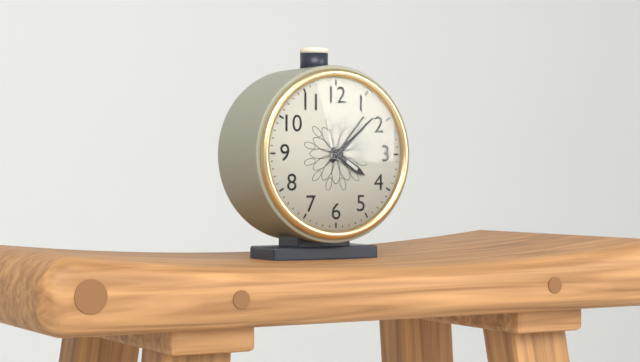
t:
4,08
